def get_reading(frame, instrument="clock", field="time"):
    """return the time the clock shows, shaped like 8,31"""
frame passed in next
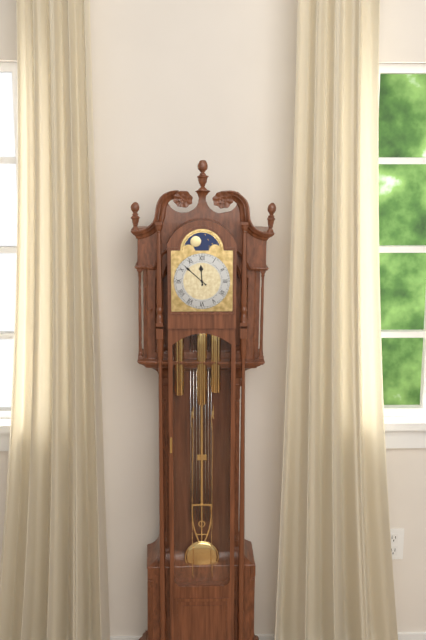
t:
11,52
